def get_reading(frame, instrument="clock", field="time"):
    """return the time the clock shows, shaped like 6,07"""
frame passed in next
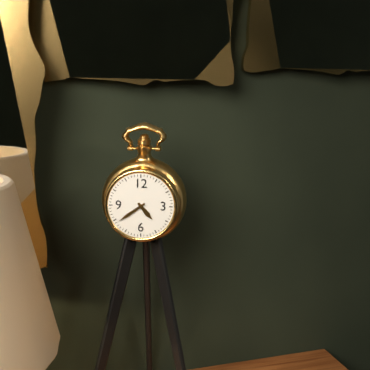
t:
4,39
